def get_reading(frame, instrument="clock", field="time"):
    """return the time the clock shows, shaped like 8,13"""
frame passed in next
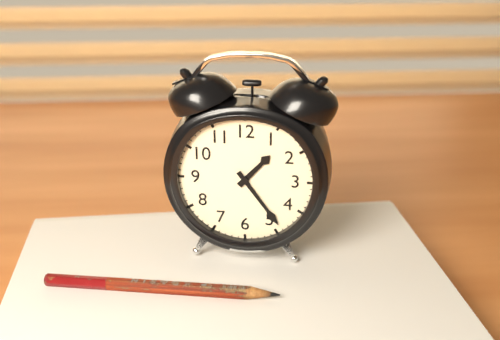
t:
1,24
